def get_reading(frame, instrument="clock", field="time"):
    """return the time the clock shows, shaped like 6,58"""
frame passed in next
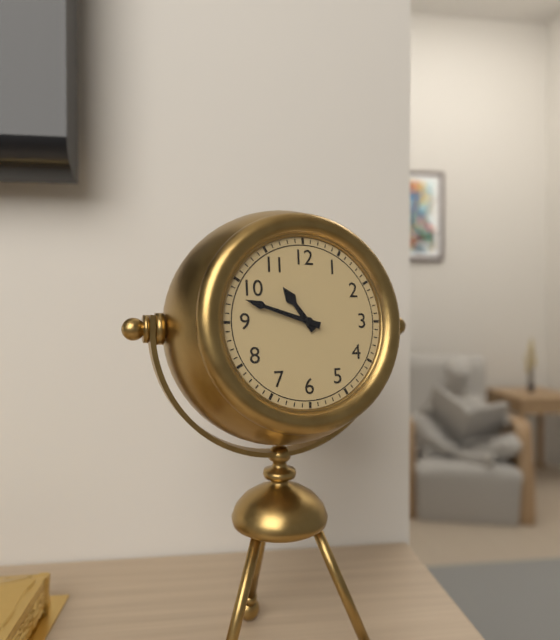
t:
10,48
